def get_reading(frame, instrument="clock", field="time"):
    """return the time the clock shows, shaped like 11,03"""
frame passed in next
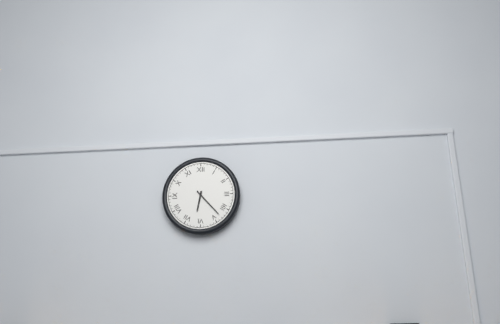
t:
6,23
